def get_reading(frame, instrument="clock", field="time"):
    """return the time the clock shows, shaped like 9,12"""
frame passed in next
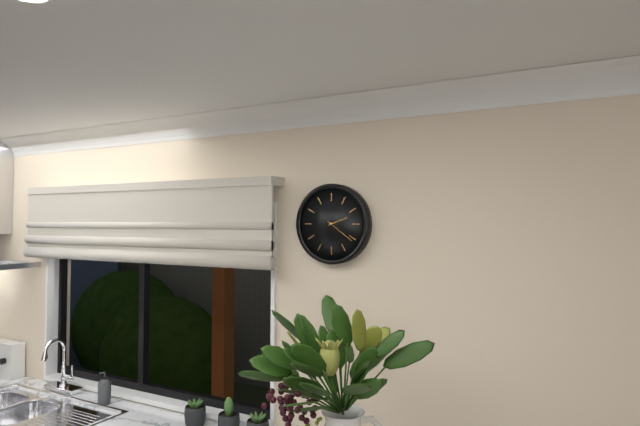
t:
2,21
